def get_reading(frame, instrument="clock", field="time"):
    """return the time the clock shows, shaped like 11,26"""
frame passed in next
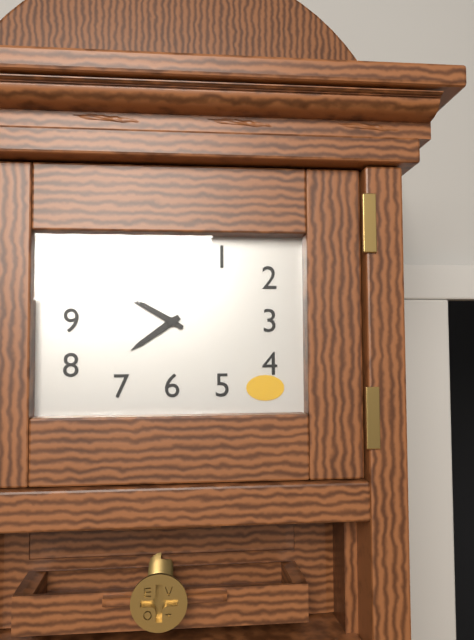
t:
7,50
